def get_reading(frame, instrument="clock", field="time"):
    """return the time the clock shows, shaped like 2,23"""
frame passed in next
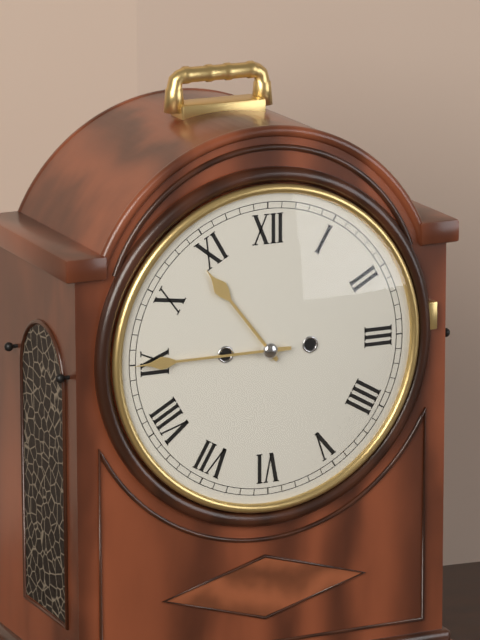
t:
10,45
